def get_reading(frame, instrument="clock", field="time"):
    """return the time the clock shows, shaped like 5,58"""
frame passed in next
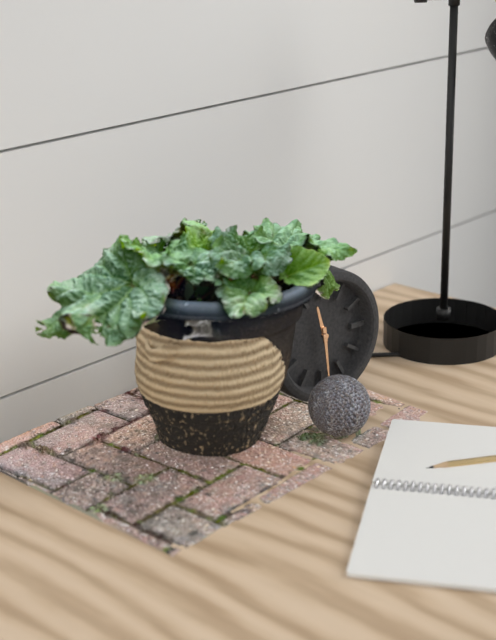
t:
11,29
